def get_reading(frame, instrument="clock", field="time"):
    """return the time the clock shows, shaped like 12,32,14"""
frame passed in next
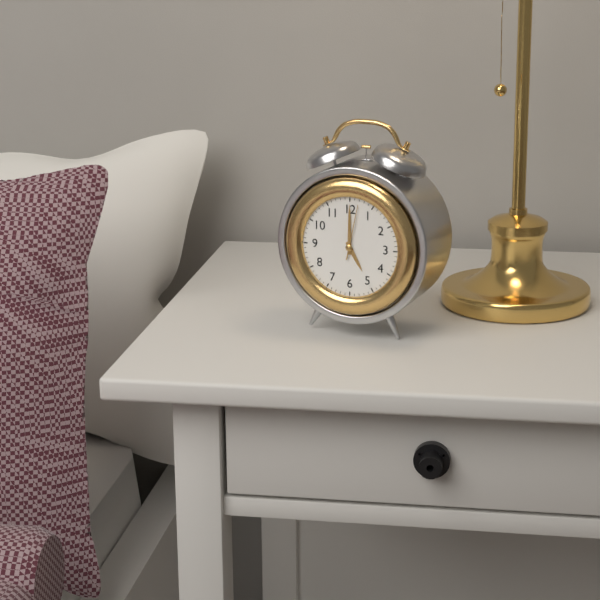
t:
5,00,02
